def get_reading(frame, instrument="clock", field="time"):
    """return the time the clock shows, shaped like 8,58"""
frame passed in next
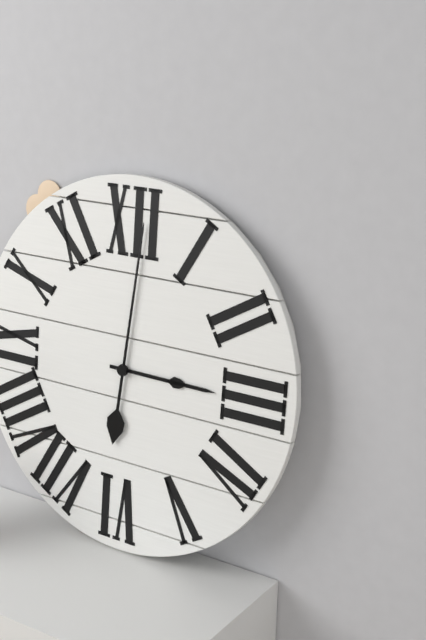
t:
3,01
